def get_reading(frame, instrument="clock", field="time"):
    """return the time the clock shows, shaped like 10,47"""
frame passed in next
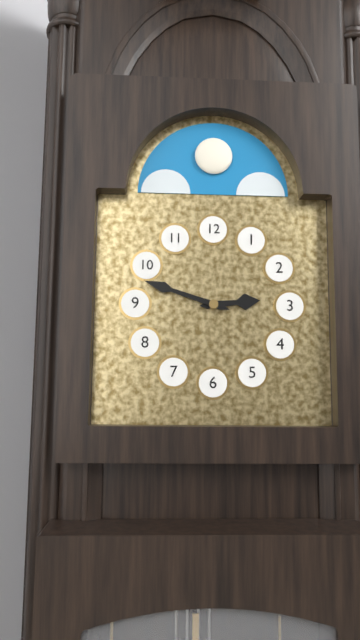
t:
2,48
